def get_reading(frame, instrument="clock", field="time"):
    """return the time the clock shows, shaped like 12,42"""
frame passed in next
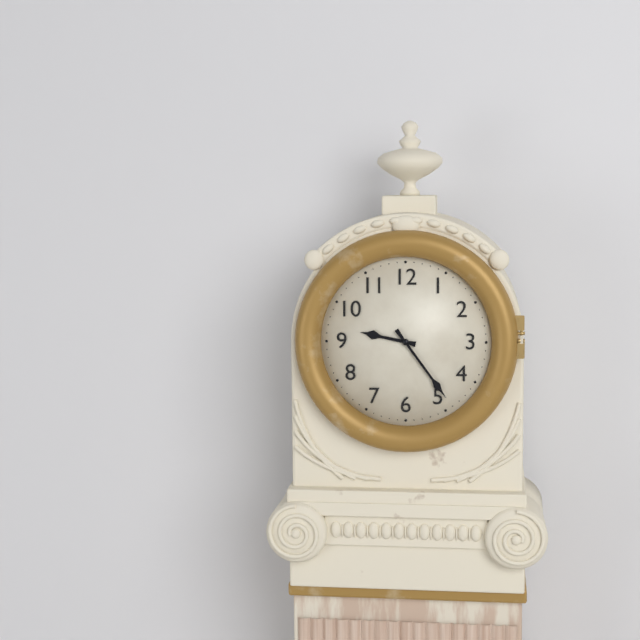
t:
9,24
